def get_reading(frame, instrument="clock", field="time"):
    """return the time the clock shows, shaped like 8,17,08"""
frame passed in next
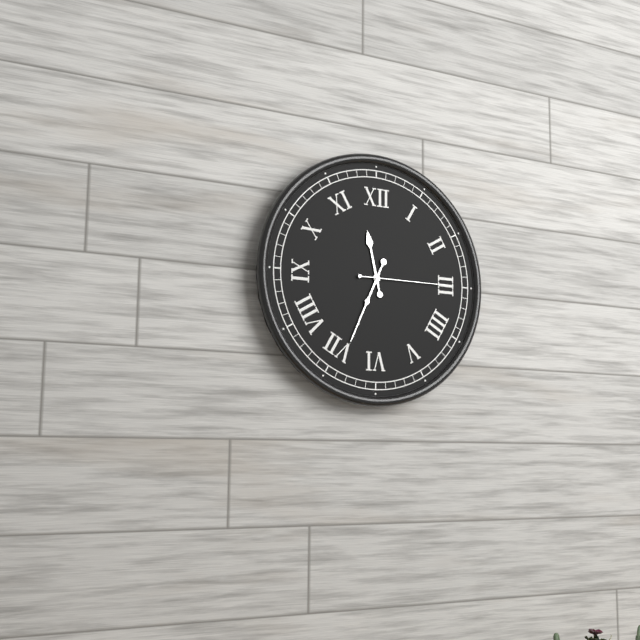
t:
11,34,15
